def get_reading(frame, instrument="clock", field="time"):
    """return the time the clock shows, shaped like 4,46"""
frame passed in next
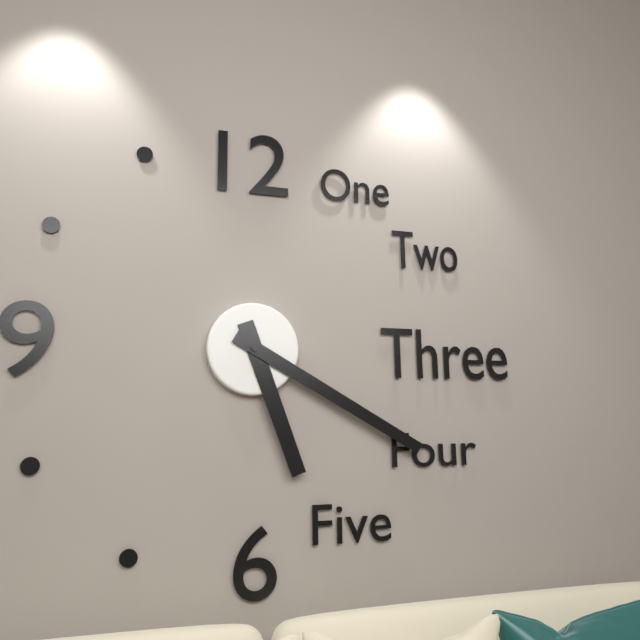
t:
5,20
